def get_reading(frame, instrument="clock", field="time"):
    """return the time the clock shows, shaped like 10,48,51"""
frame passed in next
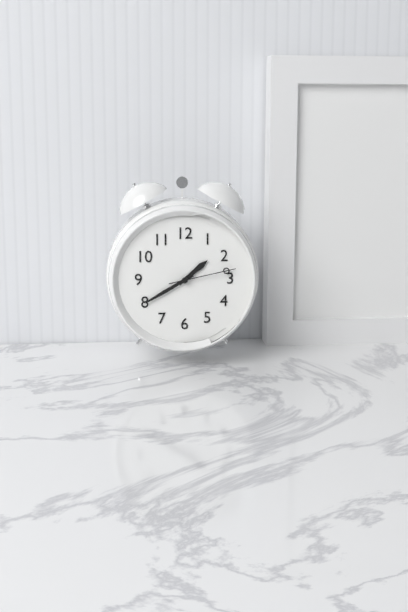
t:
1,40,13
